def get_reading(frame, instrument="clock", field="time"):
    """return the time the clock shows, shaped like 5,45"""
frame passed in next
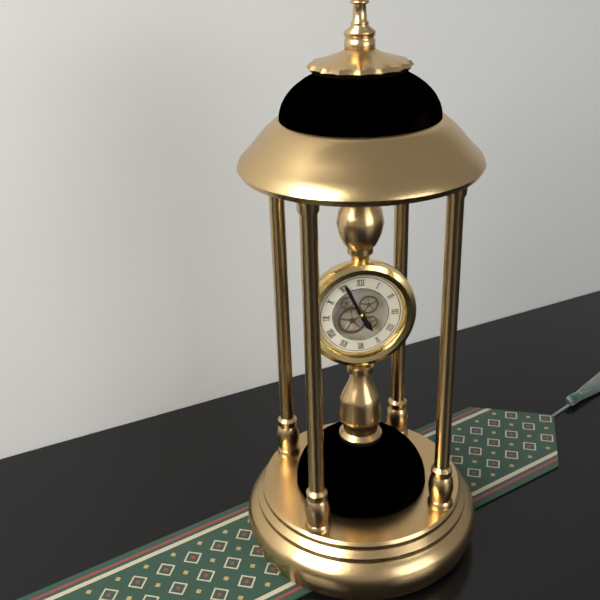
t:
4,56
